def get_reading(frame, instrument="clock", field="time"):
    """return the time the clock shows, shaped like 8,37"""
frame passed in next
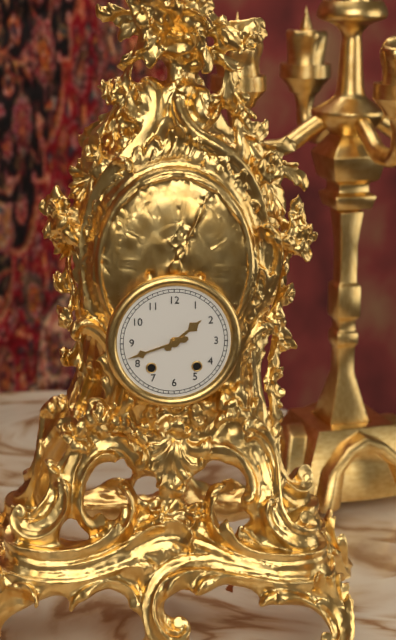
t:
1,42
